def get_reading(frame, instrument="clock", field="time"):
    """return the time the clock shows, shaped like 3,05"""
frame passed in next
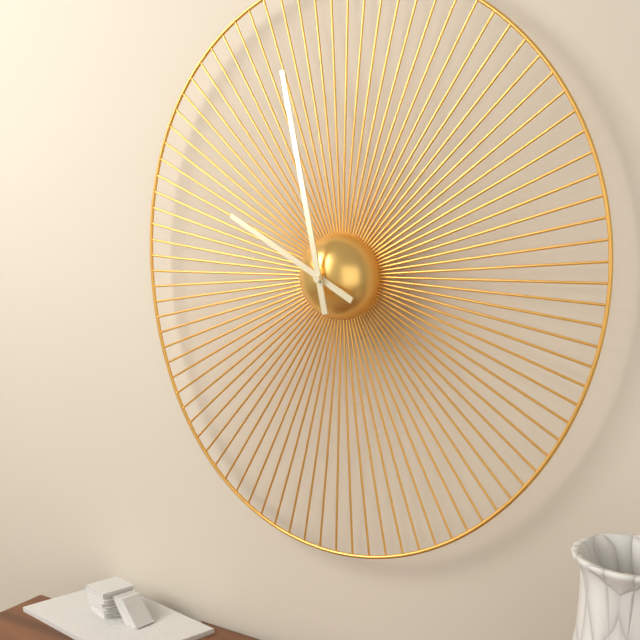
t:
9,58
